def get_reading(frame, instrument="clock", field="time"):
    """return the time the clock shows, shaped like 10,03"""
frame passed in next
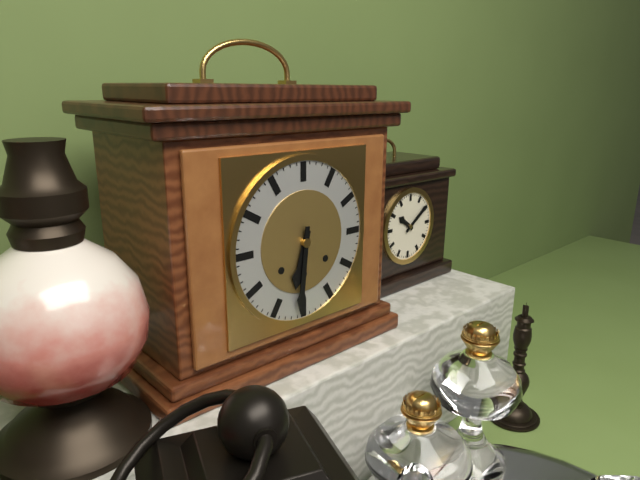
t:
6,31
